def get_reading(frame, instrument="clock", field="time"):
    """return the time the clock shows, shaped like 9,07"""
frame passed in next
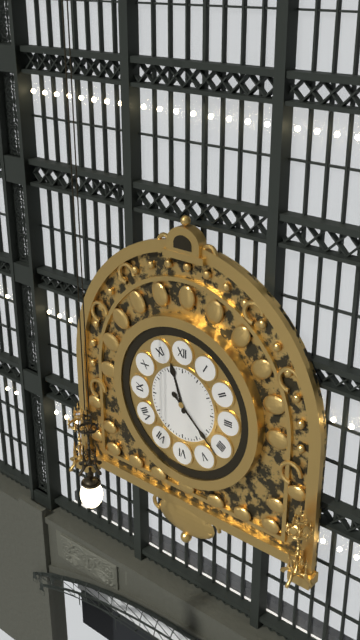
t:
11,22
